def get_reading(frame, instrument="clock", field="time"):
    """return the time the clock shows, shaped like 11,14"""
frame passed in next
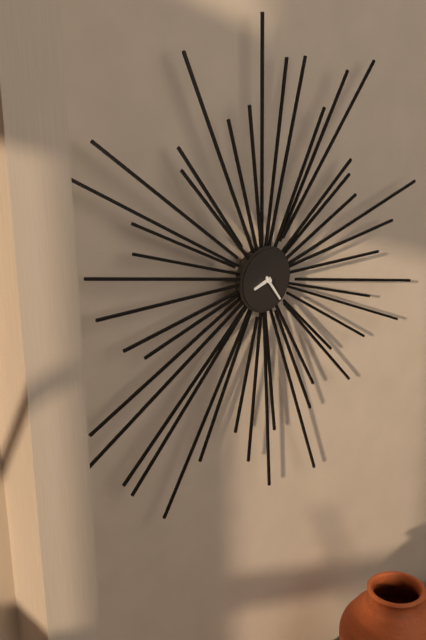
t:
8,24
